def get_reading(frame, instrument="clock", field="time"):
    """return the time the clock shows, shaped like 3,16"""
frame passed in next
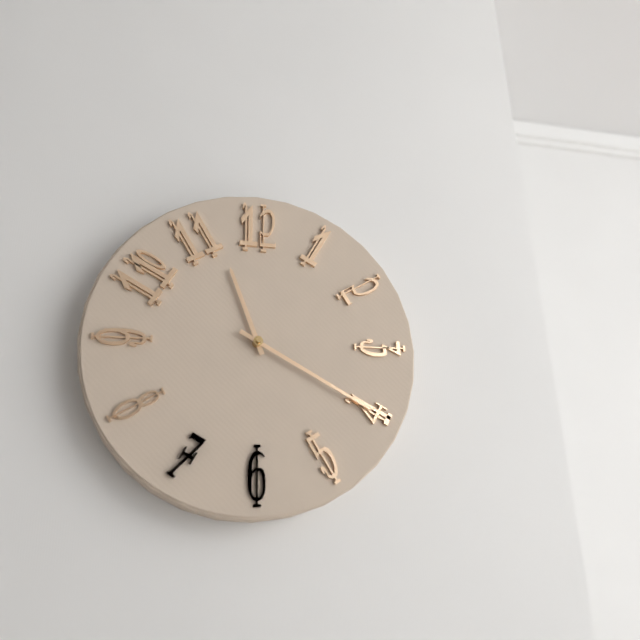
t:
11,20
